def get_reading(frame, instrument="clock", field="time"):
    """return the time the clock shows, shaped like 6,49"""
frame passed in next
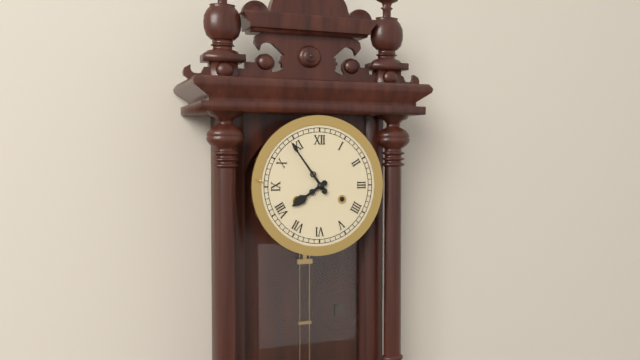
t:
7,54
